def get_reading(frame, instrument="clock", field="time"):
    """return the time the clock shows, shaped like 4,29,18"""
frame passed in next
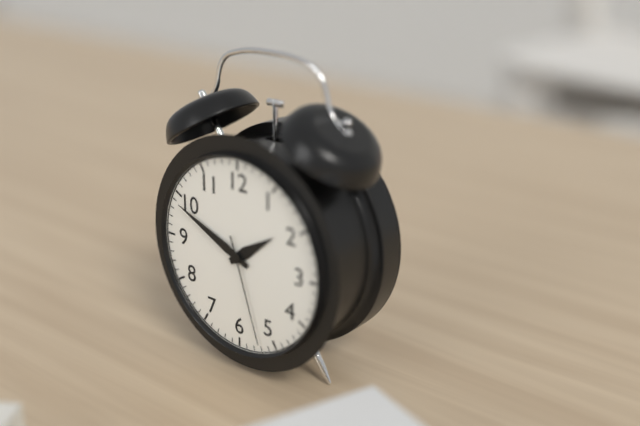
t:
1,49,27
